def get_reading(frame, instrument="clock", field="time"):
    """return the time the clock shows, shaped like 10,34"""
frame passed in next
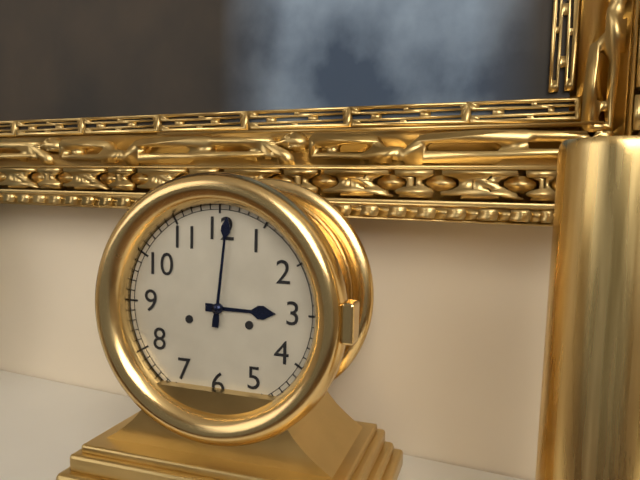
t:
3,01
